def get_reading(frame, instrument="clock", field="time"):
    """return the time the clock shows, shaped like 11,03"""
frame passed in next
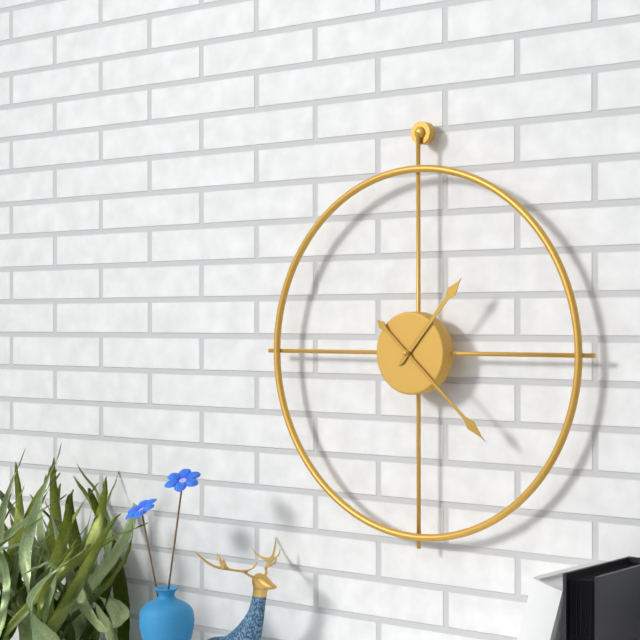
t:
1,22
